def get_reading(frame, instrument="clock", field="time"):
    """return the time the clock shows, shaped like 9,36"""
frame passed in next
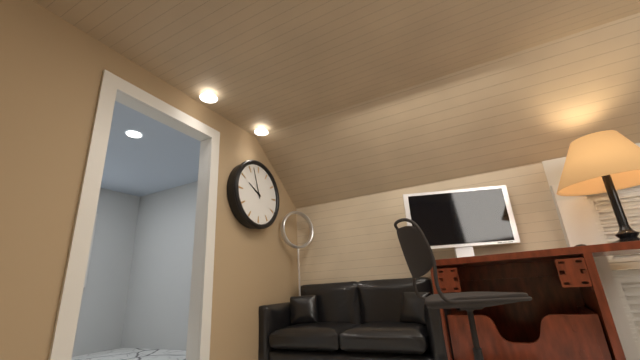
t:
9,57
